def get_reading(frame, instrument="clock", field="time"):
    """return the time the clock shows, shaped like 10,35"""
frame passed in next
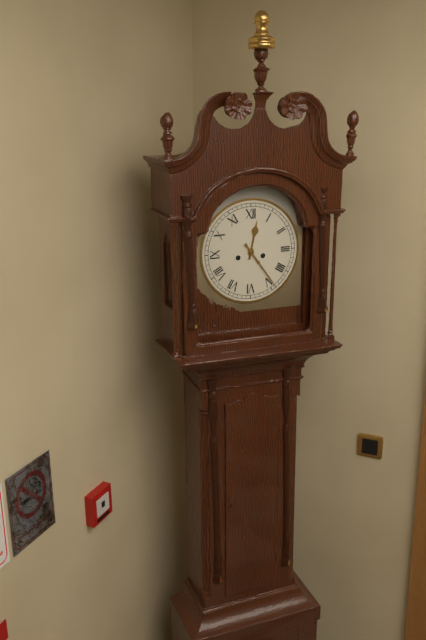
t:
12,24
